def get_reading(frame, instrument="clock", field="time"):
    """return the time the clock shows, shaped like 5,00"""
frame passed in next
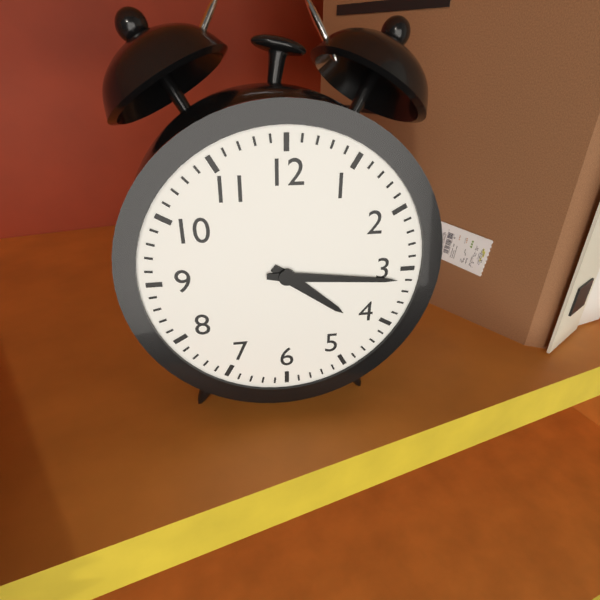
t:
4,16
